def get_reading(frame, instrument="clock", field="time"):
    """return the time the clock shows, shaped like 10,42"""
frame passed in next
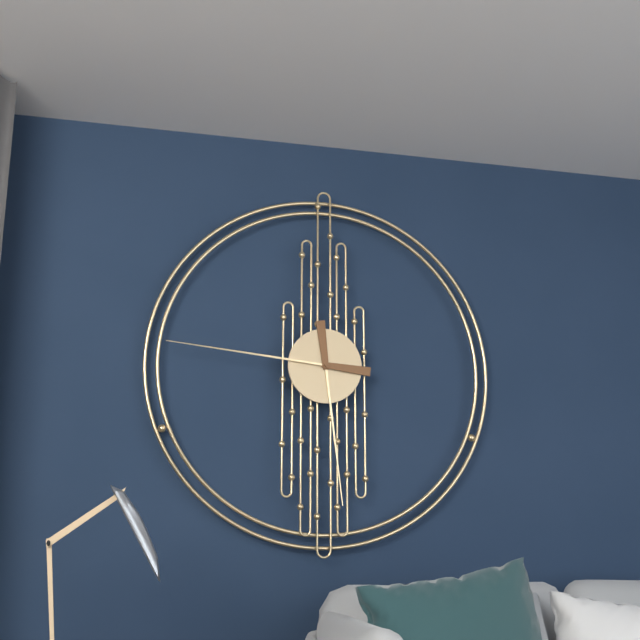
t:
5,46
